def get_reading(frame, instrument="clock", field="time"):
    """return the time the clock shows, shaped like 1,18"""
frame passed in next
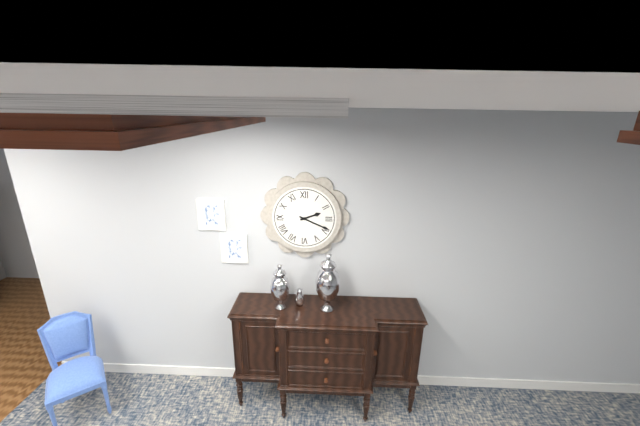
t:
2,19
